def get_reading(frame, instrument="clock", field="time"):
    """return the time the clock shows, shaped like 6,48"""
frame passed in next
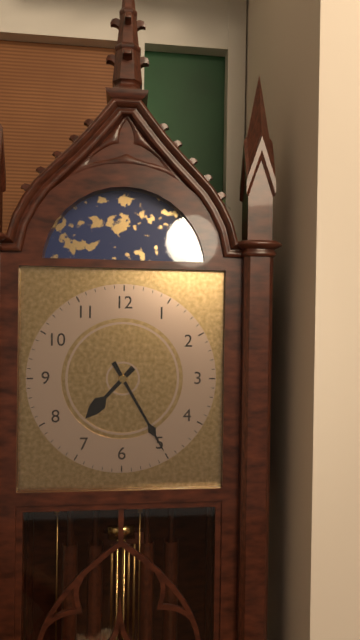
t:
7,25
